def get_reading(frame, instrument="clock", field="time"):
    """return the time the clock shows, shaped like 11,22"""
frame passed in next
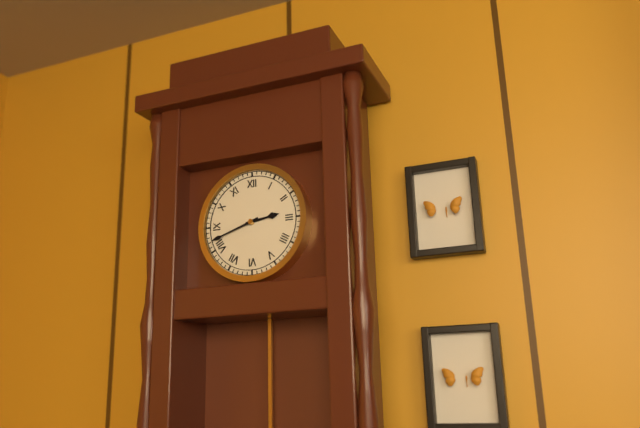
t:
2,42
